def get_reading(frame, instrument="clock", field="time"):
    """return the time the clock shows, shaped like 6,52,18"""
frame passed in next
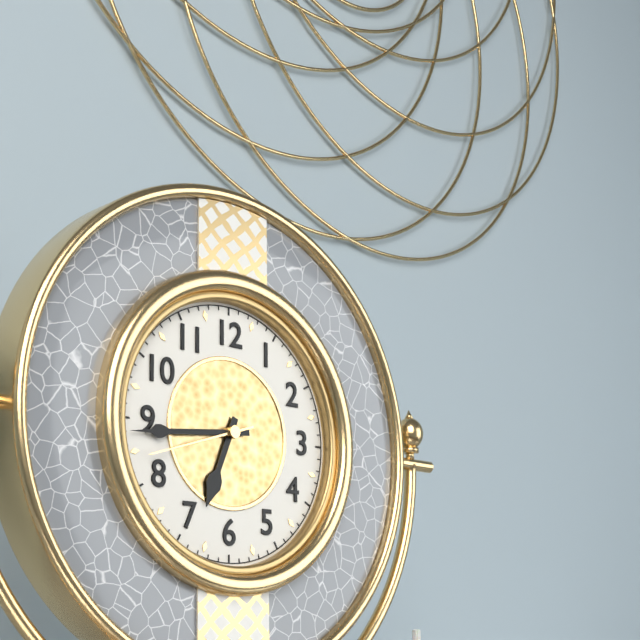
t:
6,44,42
